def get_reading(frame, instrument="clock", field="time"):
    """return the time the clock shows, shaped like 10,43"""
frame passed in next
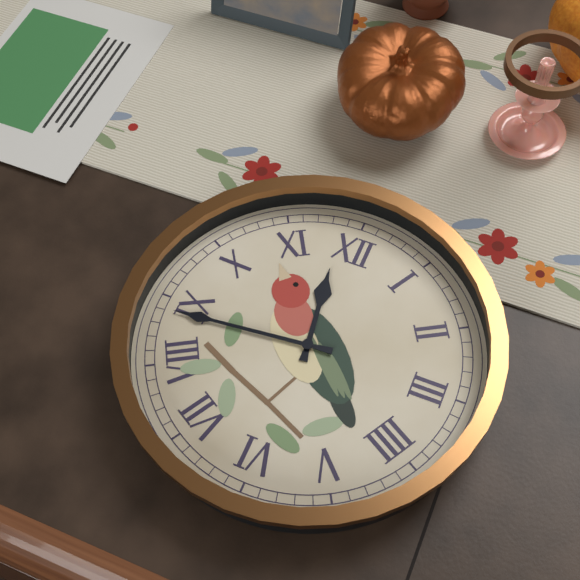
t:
11,44
